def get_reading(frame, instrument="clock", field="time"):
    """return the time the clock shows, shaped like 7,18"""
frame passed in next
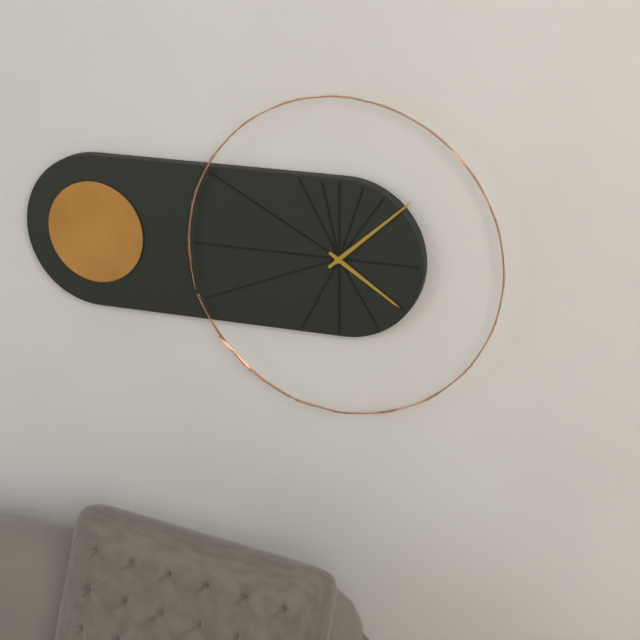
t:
4,08
